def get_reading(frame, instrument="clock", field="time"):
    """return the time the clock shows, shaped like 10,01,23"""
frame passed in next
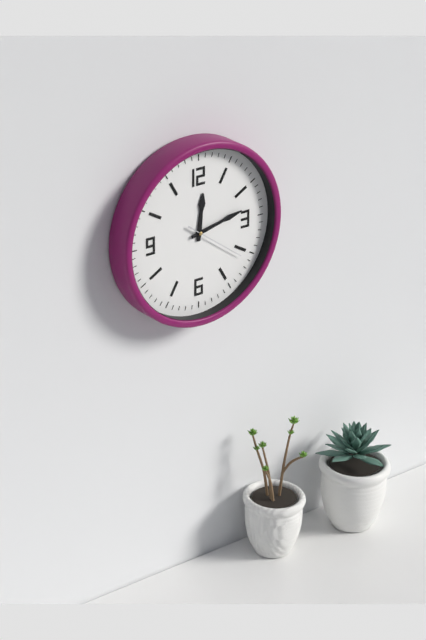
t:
12,13,21
